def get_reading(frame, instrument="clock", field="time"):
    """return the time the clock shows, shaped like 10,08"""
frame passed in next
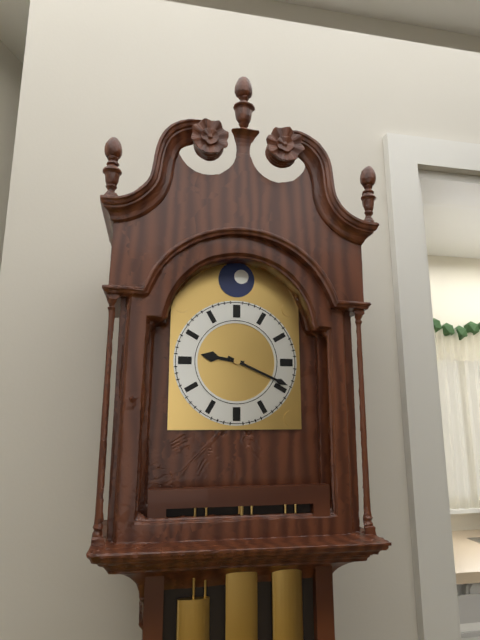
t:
9,19
